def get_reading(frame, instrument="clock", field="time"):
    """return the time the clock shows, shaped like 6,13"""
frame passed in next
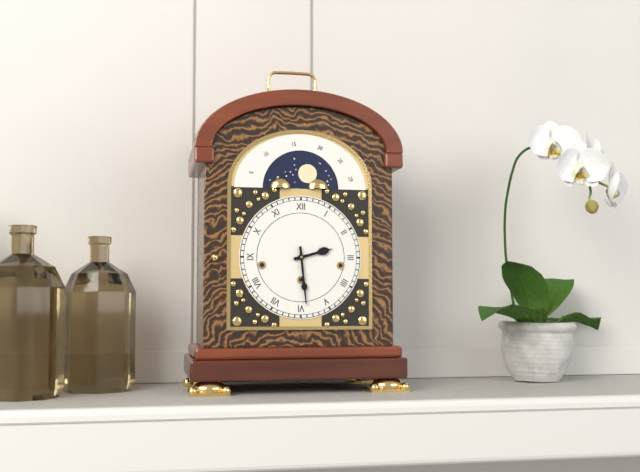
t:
2,29
